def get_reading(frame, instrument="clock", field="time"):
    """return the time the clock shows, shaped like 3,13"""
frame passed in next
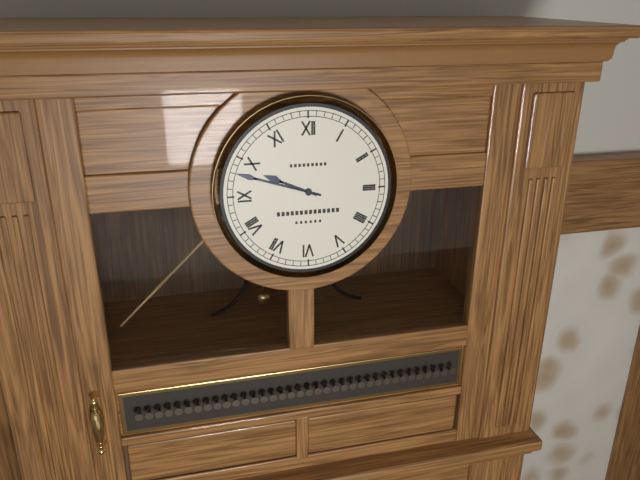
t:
9,48
